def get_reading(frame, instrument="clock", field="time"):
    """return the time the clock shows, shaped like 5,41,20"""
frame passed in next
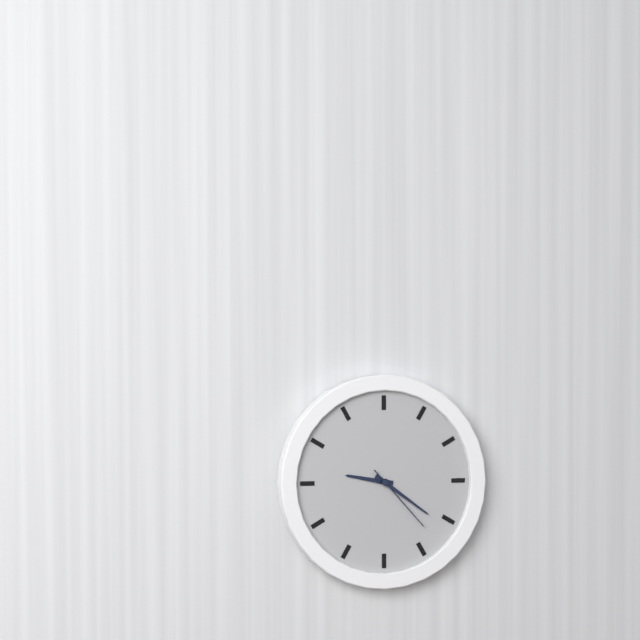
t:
9,21,23
